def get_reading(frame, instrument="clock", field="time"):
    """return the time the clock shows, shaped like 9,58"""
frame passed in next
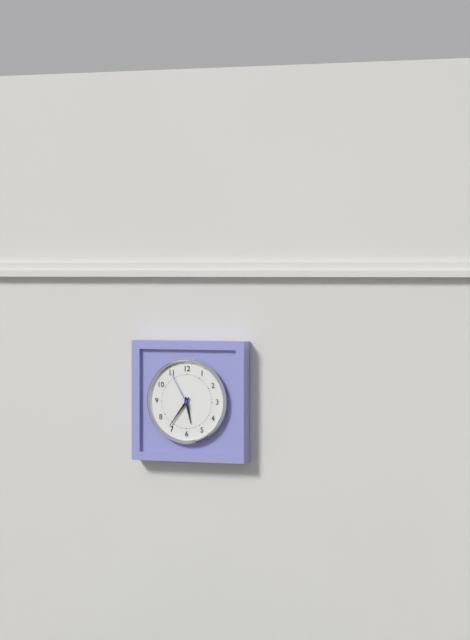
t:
5,36
